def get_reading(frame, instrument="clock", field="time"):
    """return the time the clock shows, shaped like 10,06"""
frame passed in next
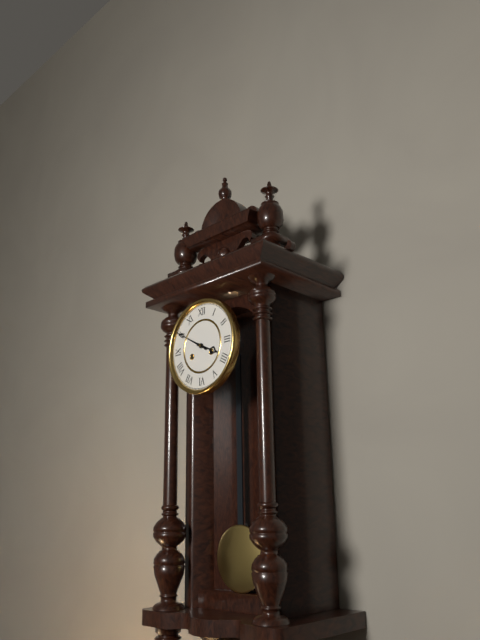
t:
3,50
